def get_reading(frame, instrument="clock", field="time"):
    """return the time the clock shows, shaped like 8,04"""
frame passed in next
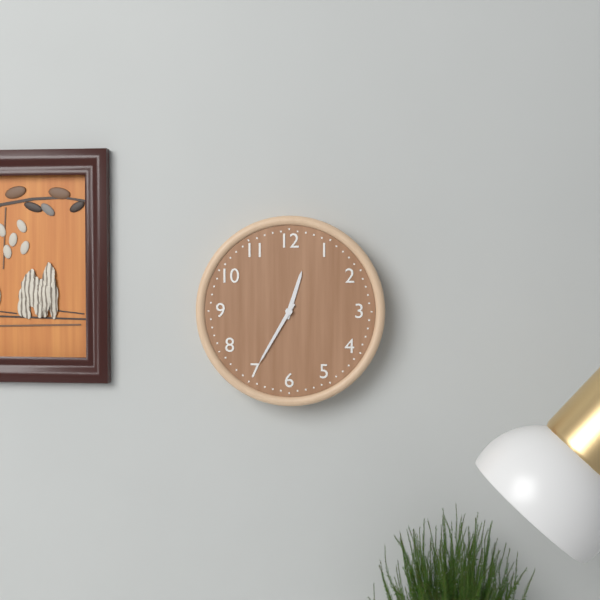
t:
12,35
